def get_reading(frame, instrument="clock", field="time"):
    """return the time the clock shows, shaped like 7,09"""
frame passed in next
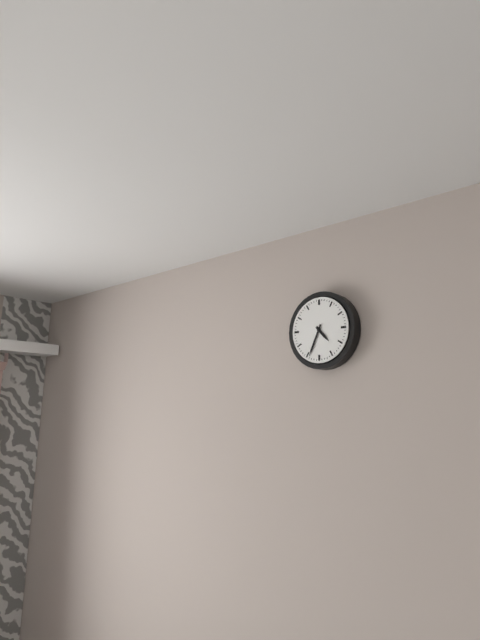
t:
4,34
